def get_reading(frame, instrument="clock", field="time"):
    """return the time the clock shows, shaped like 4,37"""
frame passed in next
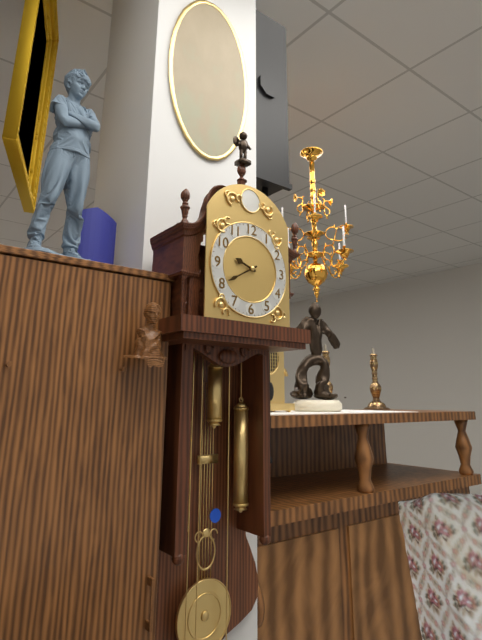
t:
9,40
